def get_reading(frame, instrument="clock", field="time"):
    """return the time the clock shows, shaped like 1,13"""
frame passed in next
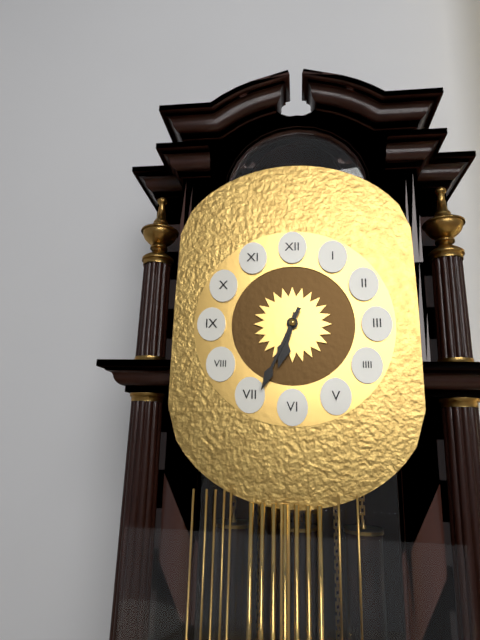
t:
6,34
